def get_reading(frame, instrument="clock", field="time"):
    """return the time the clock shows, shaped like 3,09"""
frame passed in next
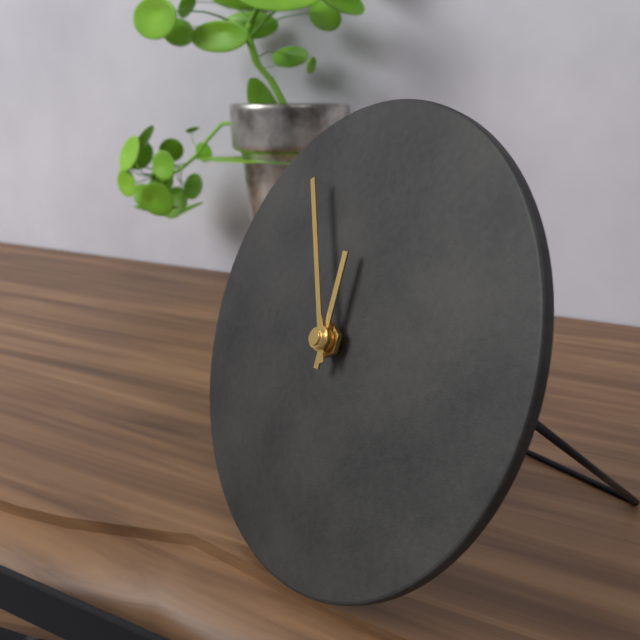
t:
11,55
